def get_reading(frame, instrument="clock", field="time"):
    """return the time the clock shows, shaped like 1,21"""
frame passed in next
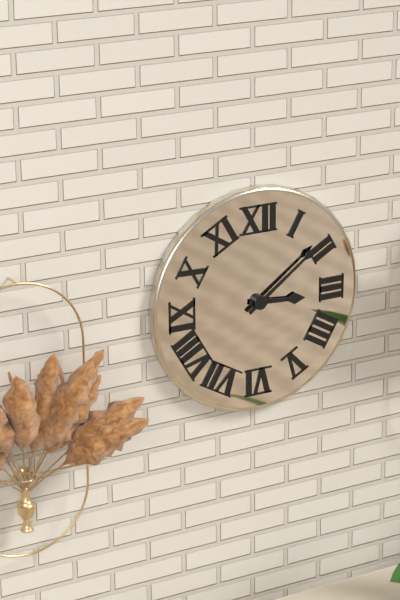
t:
3,09
